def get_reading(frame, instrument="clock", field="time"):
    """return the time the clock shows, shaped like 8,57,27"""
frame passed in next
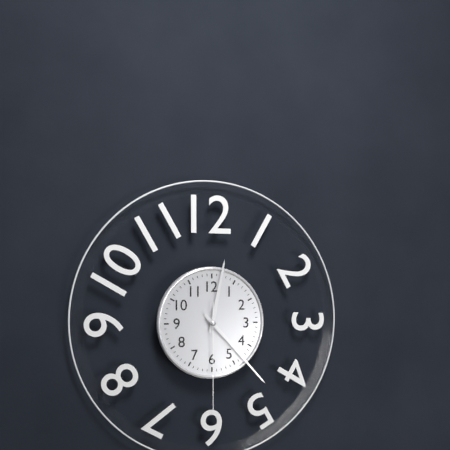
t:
12,23,30
